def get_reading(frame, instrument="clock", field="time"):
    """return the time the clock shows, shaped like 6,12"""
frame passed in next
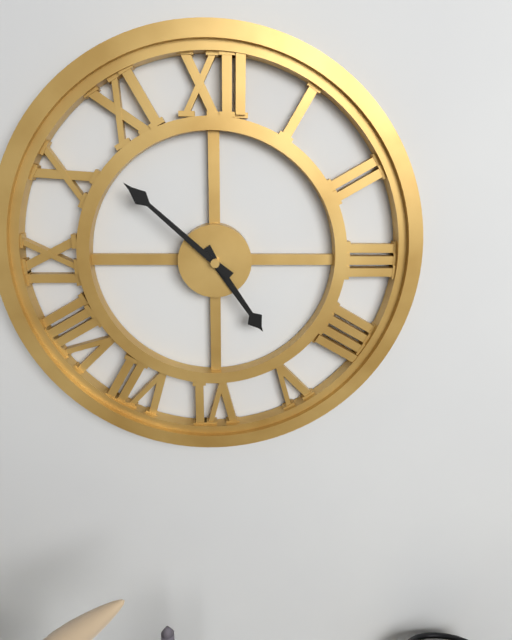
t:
4,52
